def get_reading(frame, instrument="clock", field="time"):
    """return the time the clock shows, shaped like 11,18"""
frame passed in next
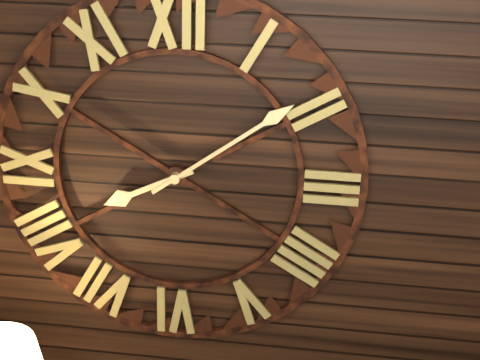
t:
8,09
